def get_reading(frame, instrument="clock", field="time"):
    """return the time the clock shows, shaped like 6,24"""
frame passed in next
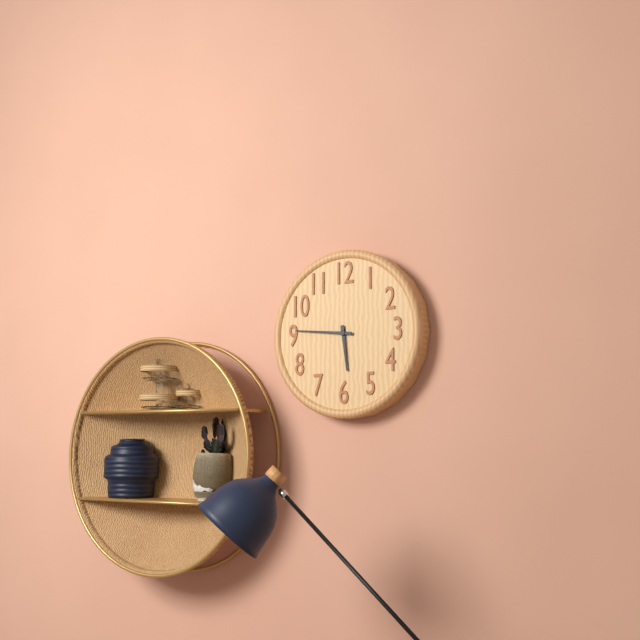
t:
5,46
